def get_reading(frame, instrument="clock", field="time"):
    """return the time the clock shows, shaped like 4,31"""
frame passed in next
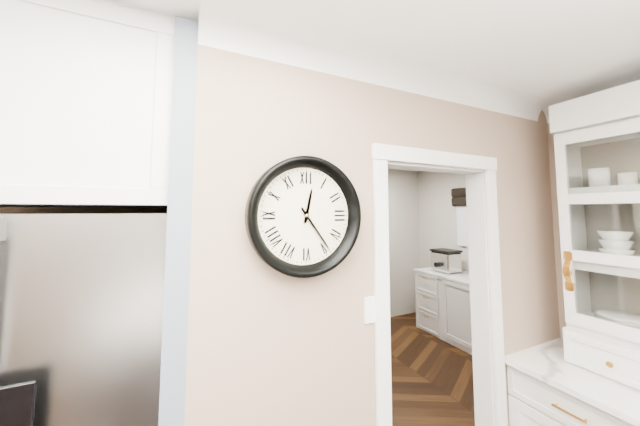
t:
12,24
